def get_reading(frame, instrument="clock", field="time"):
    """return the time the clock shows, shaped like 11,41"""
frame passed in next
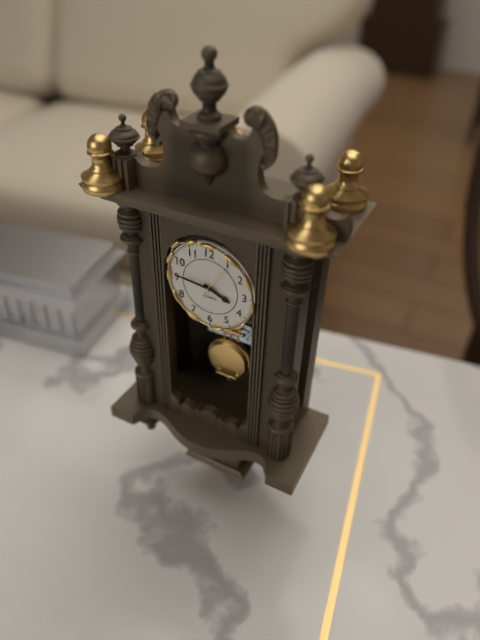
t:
3,46
